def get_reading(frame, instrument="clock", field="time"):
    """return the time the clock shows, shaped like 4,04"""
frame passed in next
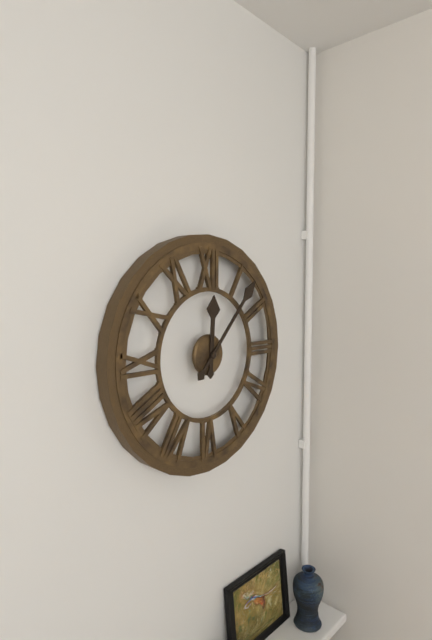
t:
12,07
